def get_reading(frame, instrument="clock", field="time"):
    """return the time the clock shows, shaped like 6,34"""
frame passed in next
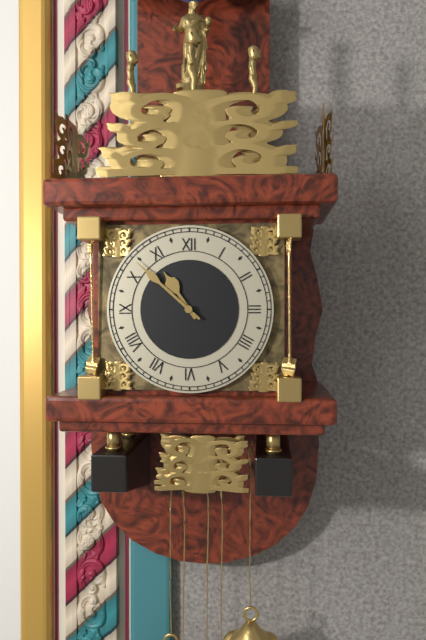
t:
10,52
